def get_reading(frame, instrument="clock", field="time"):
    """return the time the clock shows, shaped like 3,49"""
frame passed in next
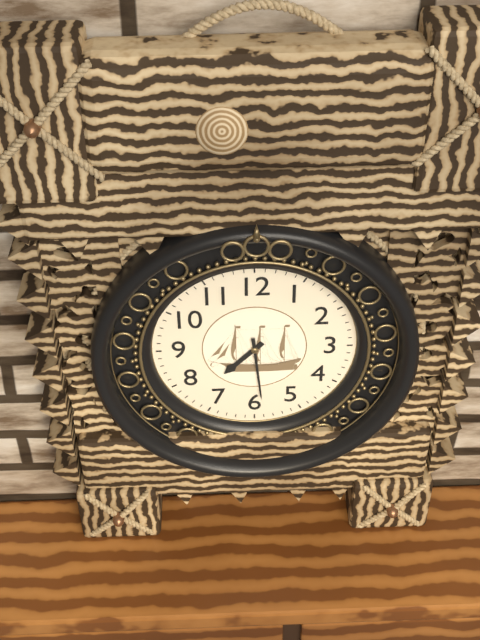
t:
7,29
